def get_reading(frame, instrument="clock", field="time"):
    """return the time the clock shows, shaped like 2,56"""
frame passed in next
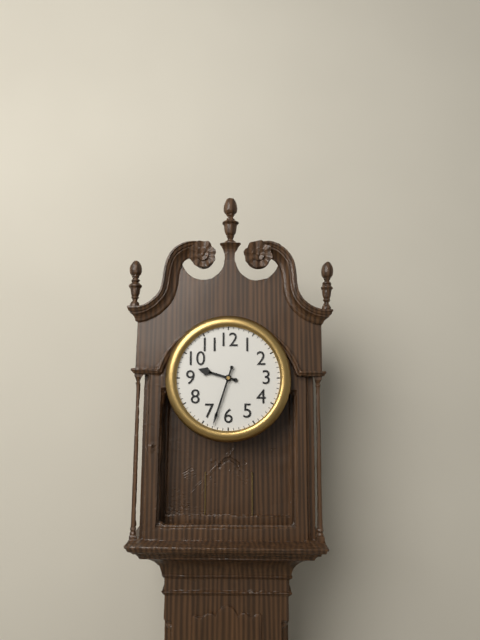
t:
9,33
